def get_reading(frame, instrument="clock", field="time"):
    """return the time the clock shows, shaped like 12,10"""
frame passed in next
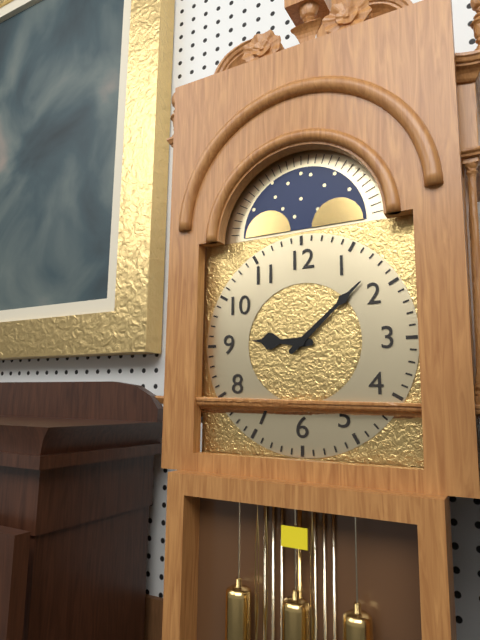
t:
9,08
